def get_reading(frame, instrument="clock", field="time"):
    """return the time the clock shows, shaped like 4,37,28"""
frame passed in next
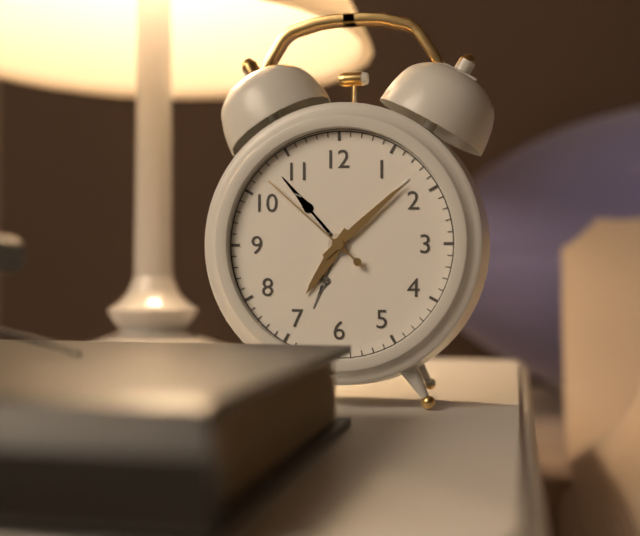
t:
7,08,52
